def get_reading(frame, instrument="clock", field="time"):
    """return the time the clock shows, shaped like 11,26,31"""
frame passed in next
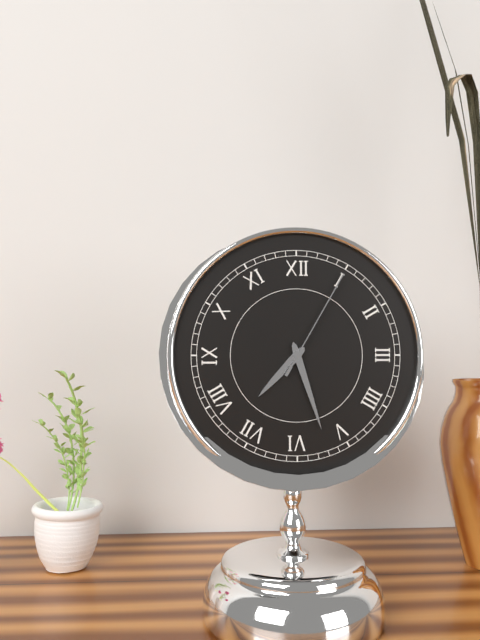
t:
7,27,05
